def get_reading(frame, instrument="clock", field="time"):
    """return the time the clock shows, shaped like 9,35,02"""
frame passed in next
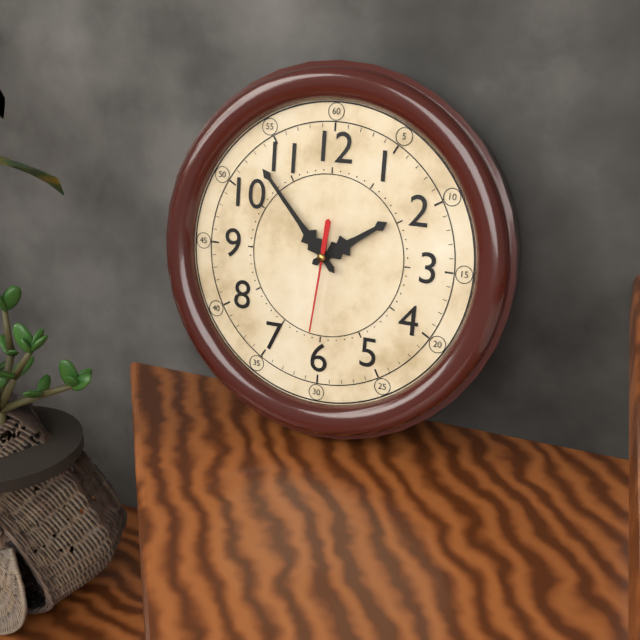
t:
1,53,31
